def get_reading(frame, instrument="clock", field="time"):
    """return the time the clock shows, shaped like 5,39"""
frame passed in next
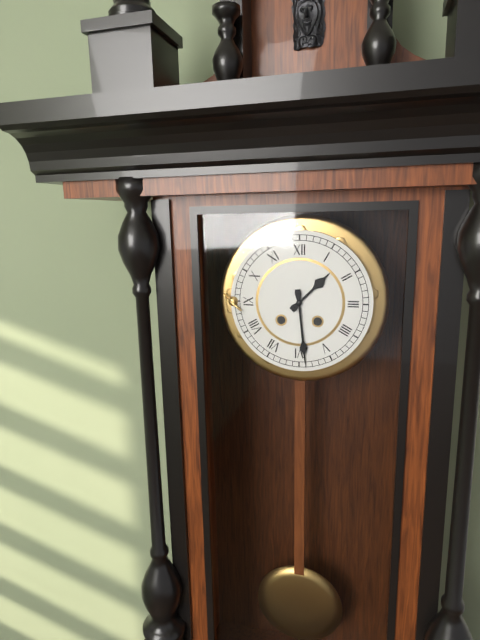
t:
1,29
